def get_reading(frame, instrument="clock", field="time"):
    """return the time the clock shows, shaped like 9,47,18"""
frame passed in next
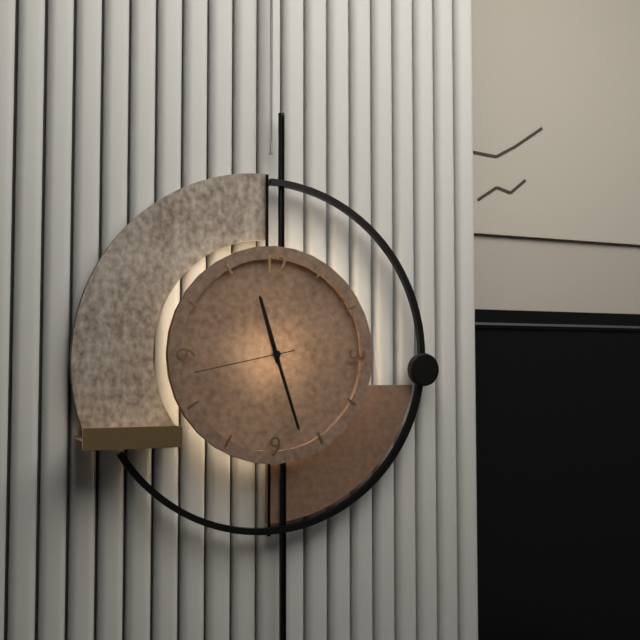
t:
11,27,43
